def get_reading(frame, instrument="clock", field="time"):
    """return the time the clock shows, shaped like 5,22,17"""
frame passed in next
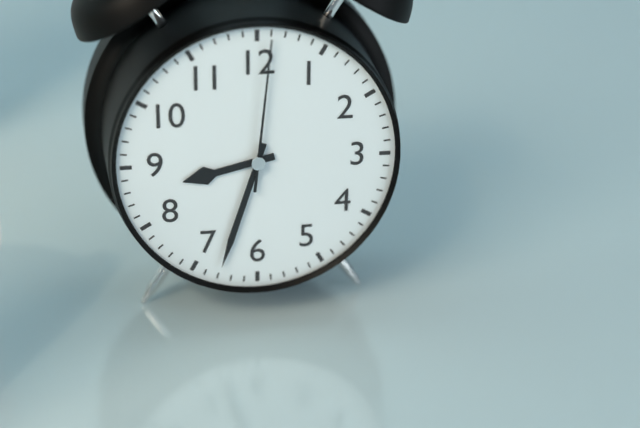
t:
8,33,01
